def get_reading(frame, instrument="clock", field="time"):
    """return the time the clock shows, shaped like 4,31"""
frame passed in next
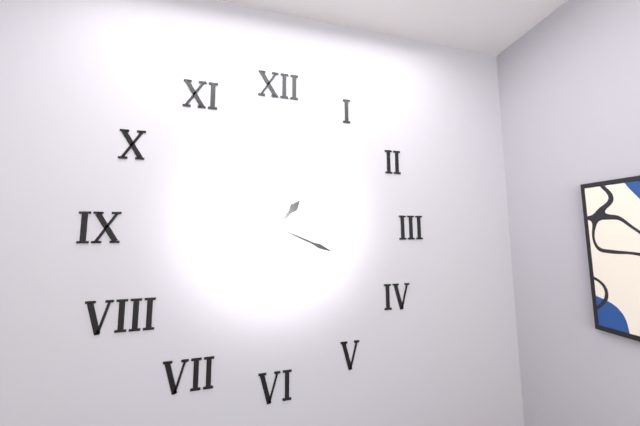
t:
1,19
